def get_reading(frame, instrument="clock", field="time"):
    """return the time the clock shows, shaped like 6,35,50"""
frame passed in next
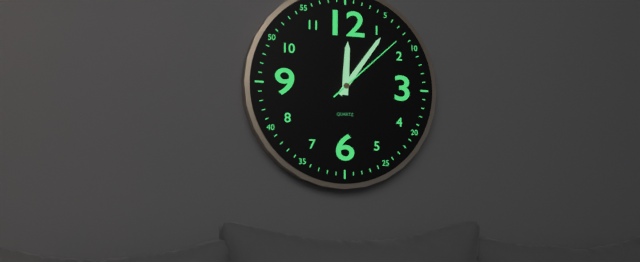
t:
12,06,08
